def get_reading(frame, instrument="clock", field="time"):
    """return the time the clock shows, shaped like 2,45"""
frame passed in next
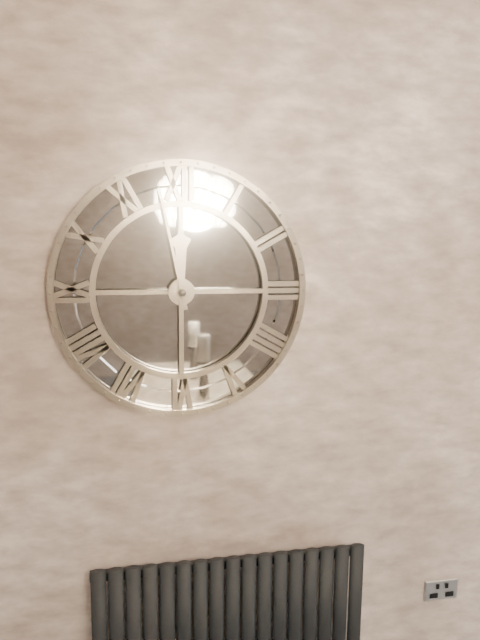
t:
11,58
